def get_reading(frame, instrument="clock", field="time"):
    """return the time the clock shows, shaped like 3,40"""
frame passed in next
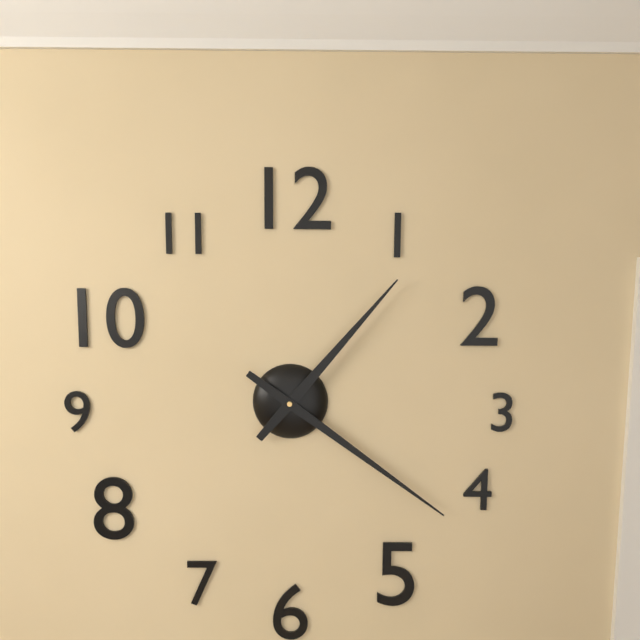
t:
1,21
